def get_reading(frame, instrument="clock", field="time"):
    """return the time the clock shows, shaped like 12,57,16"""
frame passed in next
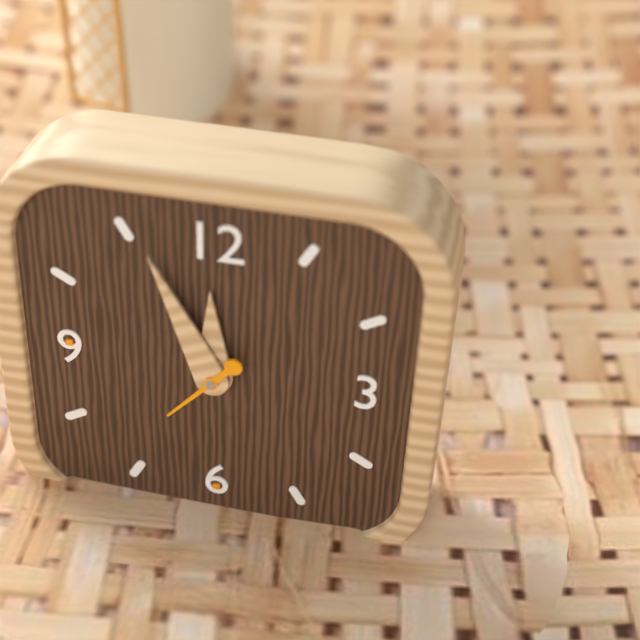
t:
11,56,37
